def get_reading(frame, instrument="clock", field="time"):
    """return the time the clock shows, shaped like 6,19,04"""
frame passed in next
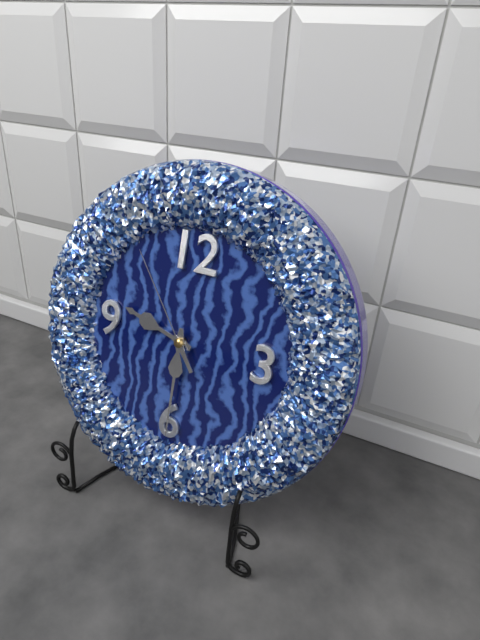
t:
9,30,54
